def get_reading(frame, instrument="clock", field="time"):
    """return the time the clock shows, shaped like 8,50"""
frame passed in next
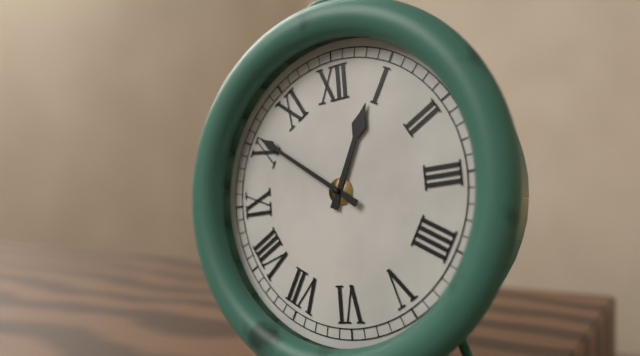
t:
12,51
